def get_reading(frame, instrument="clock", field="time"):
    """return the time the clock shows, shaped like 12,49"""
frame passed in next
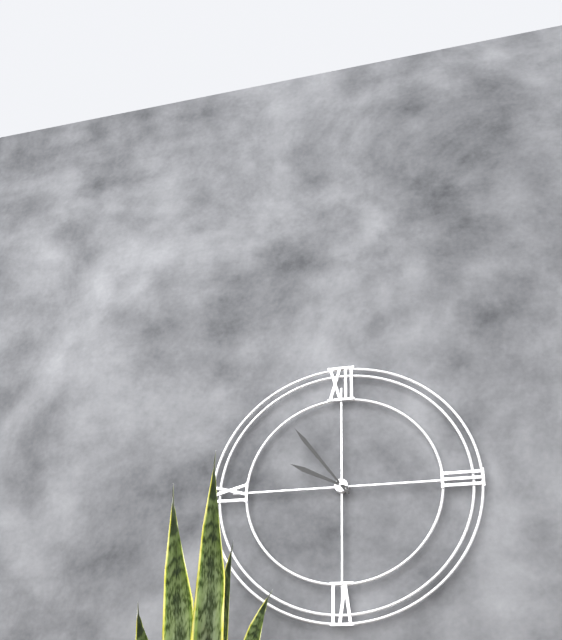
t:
9,54
